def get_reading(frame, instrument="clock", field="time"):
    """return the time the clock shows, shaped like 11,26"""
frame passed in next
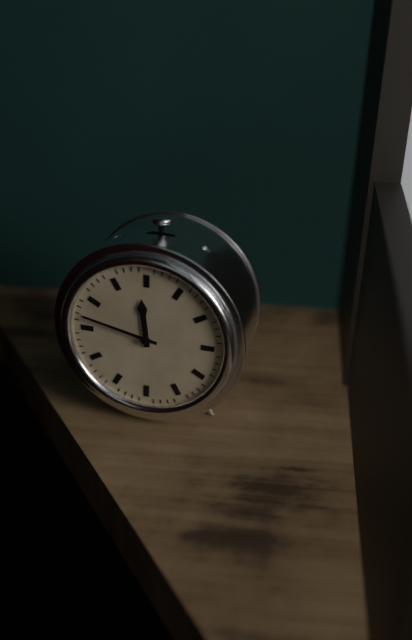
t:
11,47
